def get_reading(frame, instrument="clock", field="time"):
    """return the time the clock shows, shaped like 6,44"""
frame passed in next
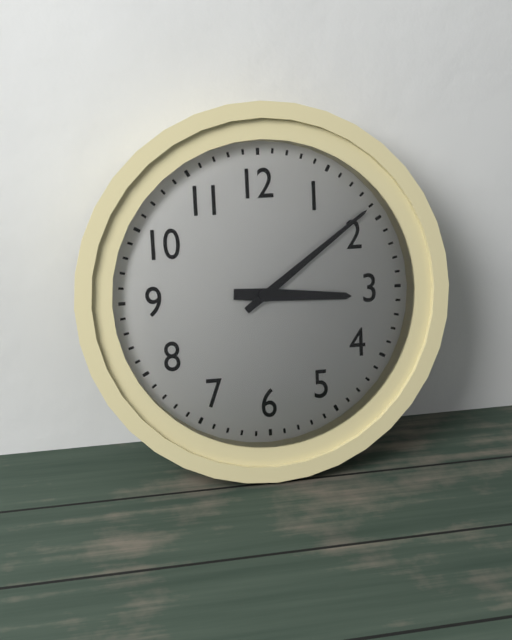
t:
3,09
